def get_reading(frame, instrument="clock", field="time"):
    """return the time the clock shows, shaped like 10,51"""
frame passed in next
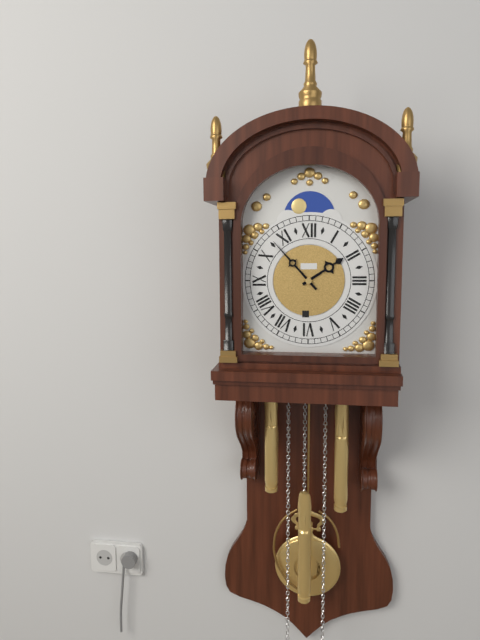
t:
1,53
